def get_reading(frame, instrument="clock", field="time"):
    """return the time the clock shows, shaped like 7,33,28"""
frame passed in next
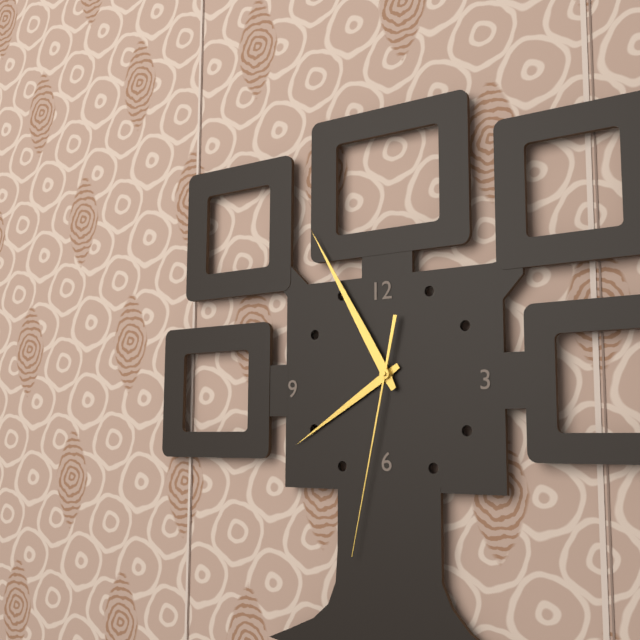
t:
7,55,32
